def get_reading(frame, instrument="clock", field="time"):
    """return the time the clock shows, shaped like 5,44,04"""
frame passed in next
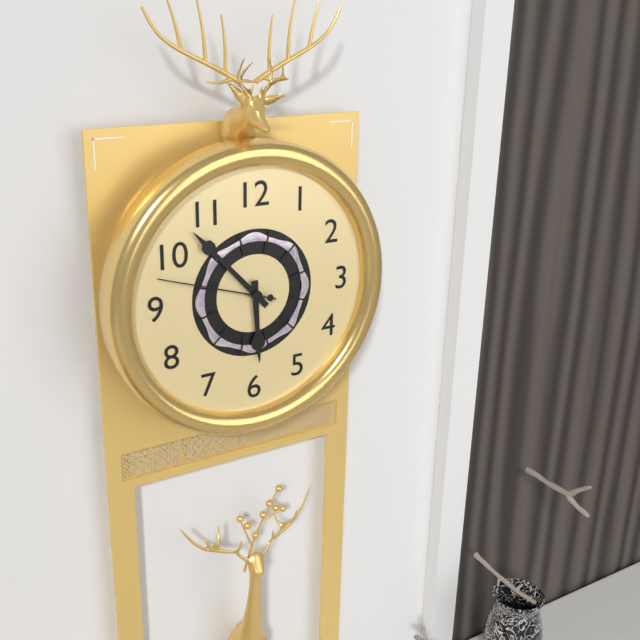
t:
5,53,48
